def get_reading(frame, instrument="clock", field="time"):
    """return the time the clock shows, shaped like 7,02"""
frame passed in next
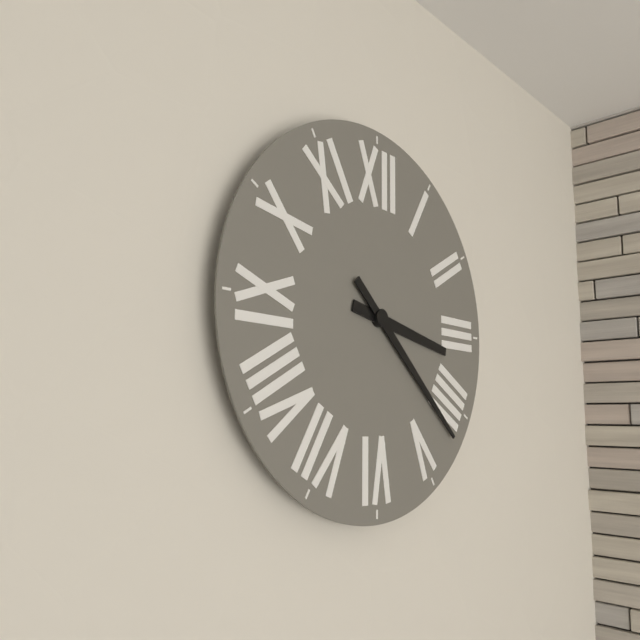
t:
3,22
